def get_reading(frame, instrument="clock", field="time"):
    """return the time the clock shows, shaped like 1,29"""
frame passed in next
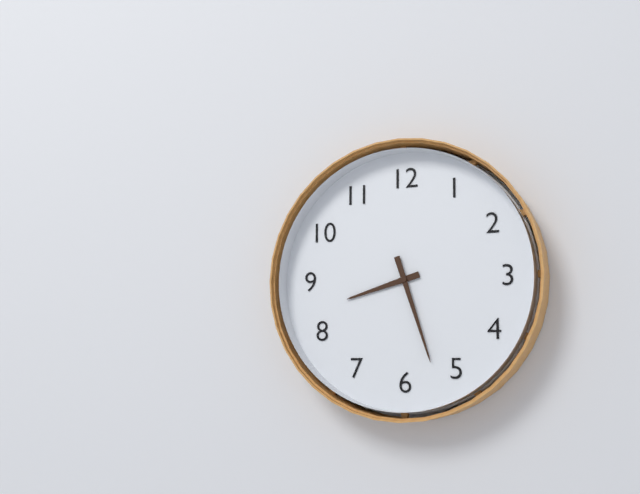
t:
8,27
